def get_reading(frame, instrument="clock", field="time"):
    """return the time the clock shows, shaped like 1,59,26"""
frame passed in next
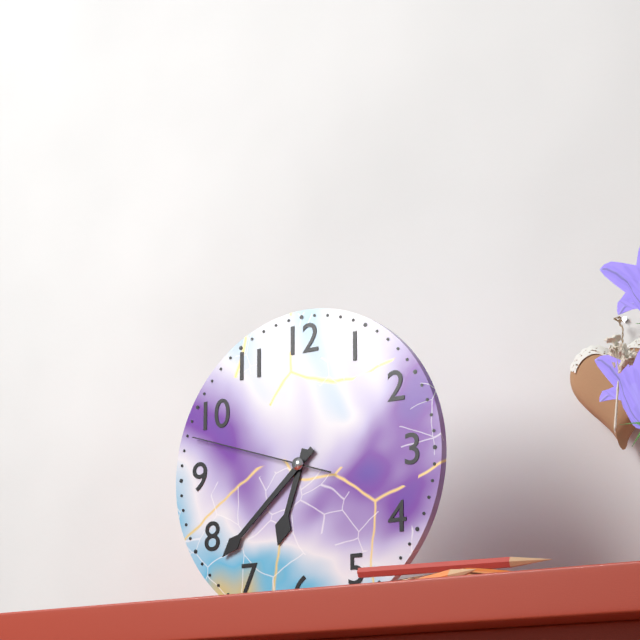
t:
6,38,48
